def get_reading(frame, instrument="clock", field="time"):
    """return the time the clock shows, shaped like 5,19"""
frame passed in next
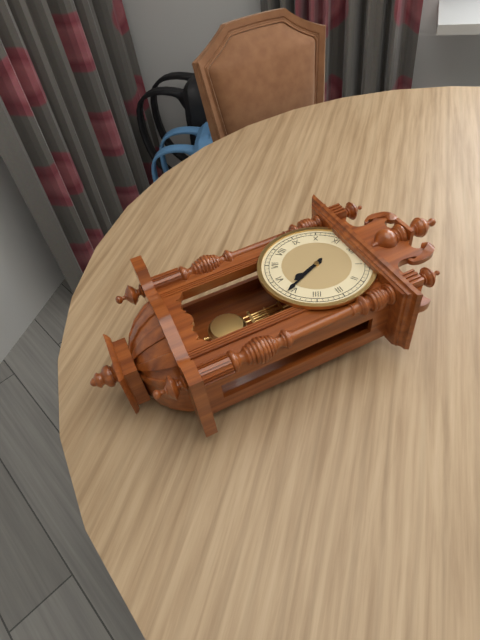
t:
5,26
